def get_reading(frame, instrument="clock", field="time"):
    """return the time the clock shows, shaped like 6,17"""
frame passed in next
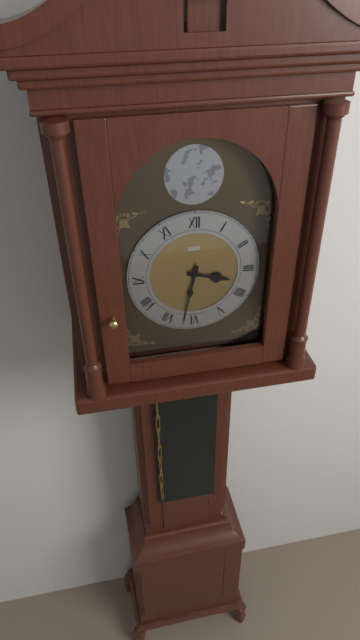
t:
3,32
